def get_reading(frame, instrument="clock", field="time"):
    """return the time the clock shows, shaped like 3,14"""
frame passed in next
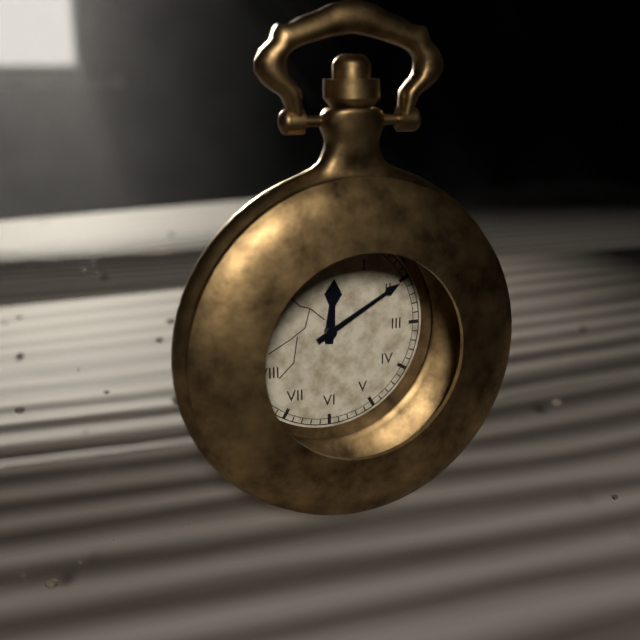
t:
12,10
